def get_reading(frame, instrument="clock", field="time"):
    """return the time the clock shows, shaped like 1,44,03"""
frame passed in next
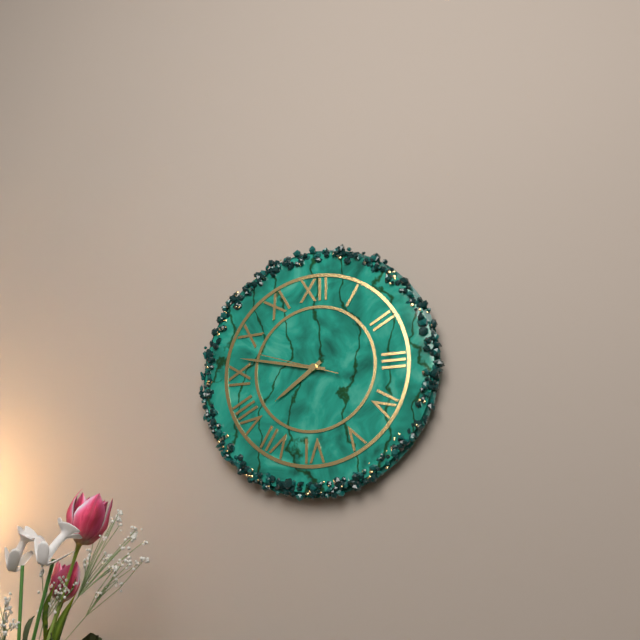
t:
7,47,48
